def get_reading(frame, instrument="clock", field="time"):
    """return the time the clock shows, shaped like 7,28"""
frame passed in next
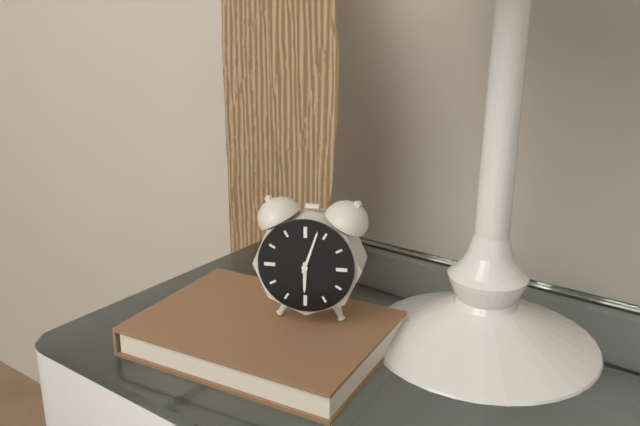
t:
6,03
